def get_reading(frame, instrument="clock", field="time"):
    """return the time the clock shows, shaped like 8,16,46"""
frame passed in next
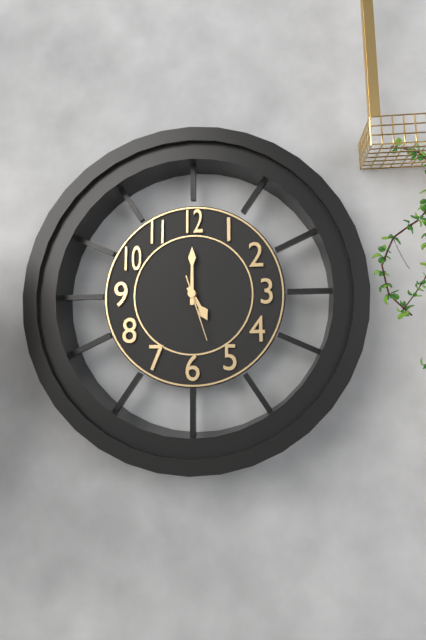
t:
5,00,27
